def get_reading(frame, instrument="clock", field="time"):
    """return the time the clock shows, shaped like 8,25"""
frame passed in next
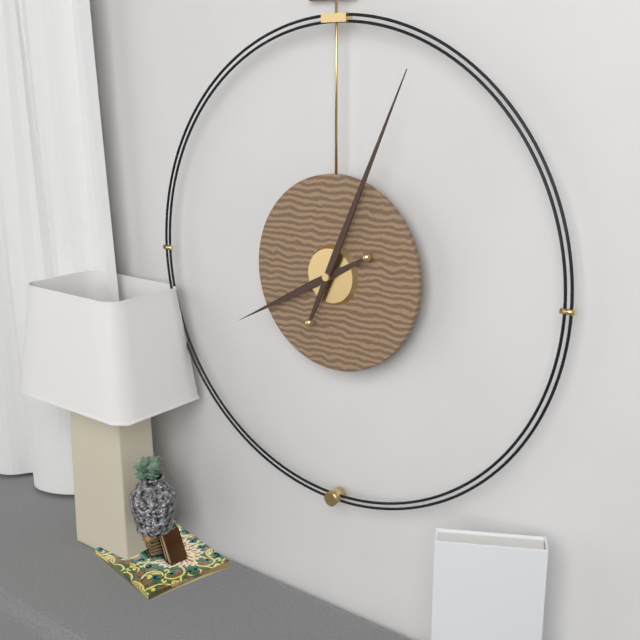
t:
8,04
